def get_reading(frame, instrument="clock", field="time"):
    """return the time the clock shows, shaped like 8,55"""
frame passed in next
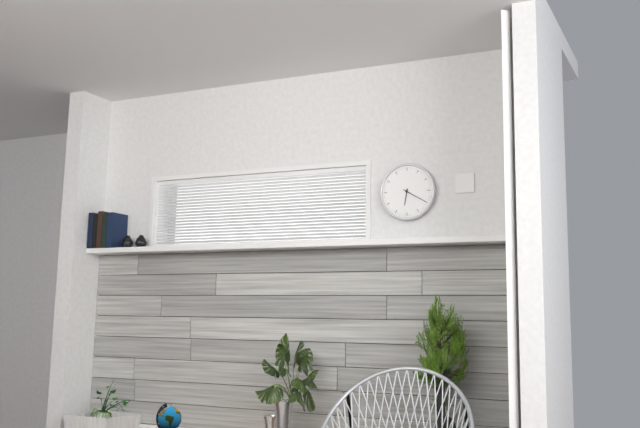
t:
6,20
